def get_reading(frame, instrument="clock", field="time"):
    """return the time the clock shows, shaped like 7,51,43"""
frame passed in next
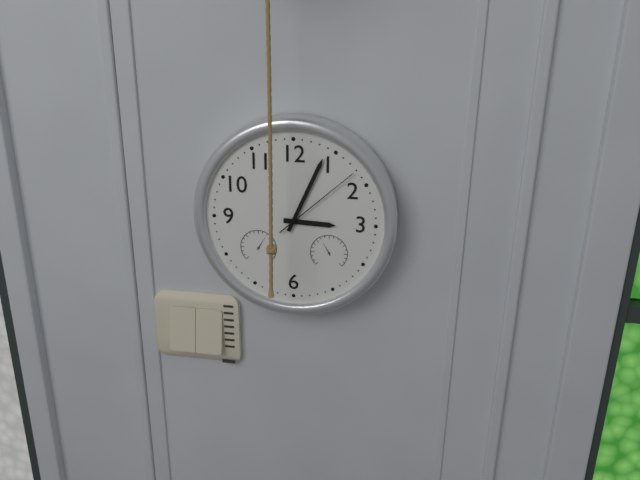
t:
3,04,08
